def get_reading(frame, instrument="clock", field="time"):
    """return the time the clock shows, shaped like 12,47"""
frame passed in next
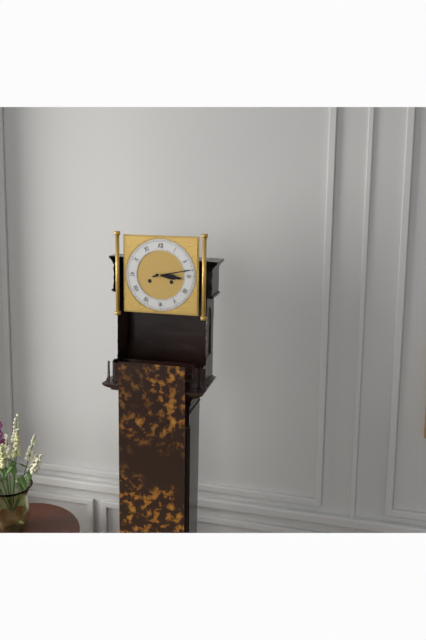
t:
3,13
